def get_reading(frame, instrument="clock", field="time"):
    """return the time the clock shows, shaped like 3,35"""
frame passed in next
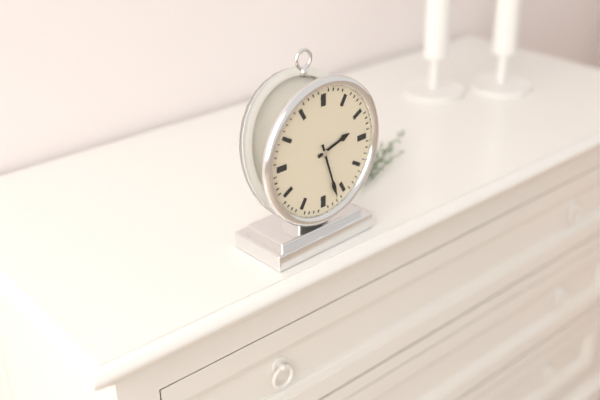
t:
2,27
